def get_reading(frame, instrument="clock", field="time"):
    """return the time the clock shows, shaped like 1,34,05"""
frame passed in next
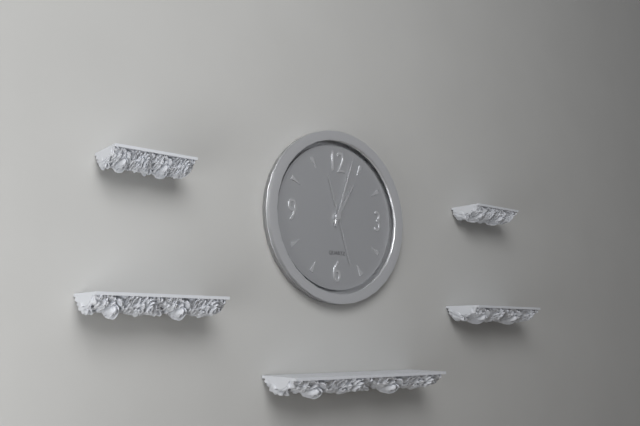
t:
1,03,27
